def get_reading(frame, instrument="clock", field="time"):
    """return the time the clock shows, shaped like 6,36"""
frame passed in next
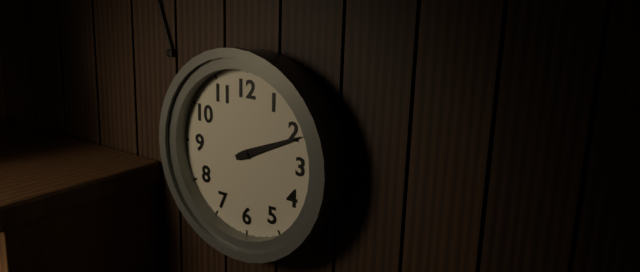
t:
2,11
